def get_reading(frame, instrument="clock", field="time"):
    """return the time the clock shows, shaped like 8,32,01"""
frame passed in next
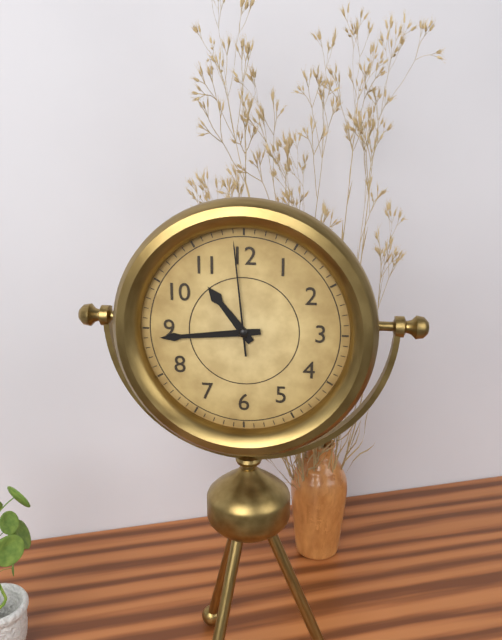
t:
10,44,59
